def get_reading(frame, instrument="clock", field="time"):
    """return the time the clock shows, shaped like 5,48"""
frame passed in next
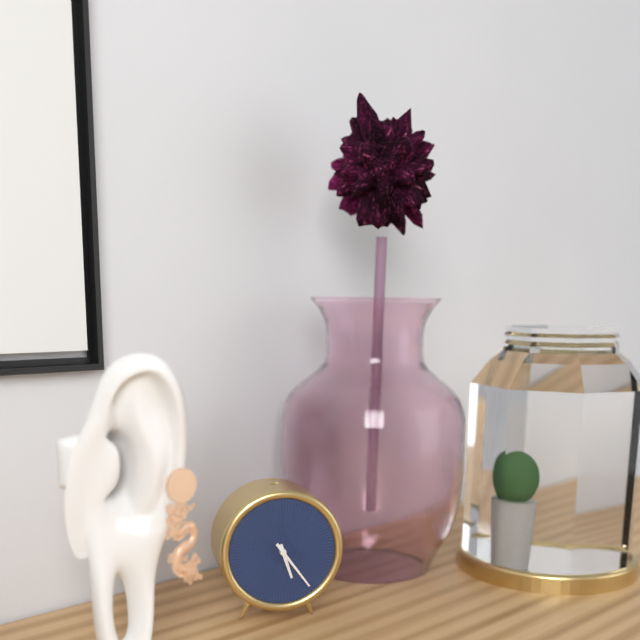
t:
5,24
